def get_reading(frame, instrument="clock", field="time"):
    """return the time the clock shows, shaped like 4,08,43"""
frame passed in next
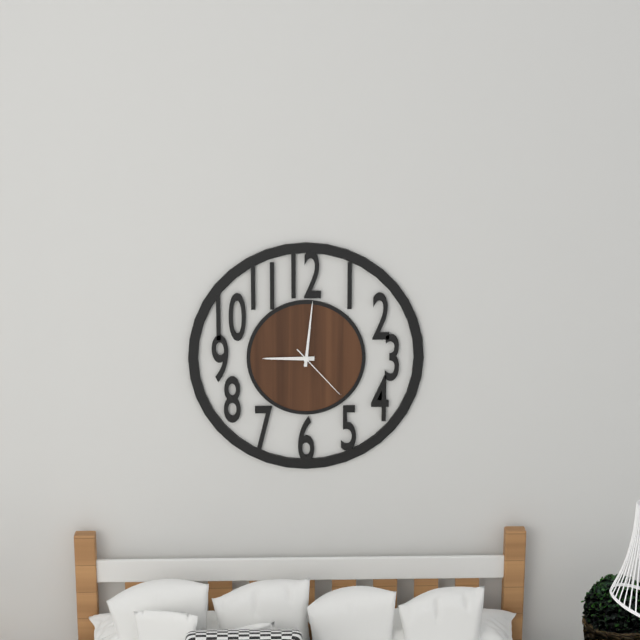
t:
9,01,23
